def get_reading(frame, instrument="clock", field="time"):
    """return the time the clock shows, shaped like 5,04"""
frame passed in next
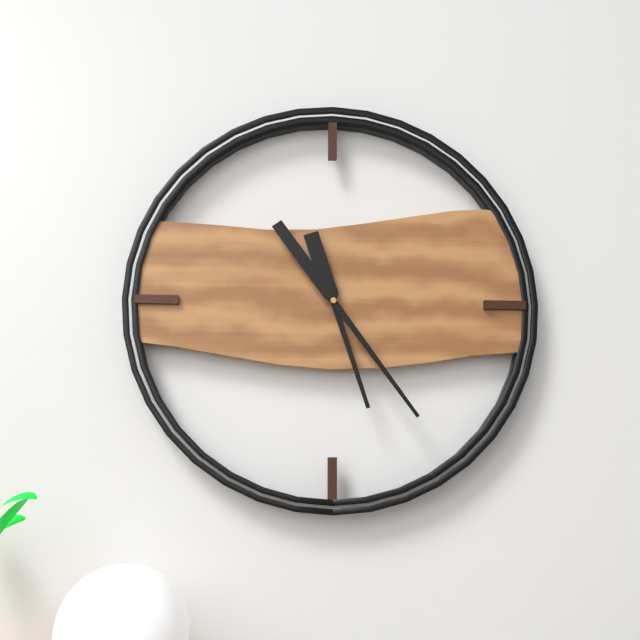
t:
5,24
